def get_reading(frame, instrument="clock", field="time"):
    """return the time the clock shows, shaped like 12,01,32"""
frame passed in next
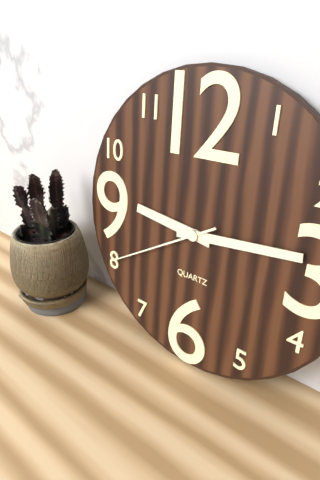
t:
9,14,40
